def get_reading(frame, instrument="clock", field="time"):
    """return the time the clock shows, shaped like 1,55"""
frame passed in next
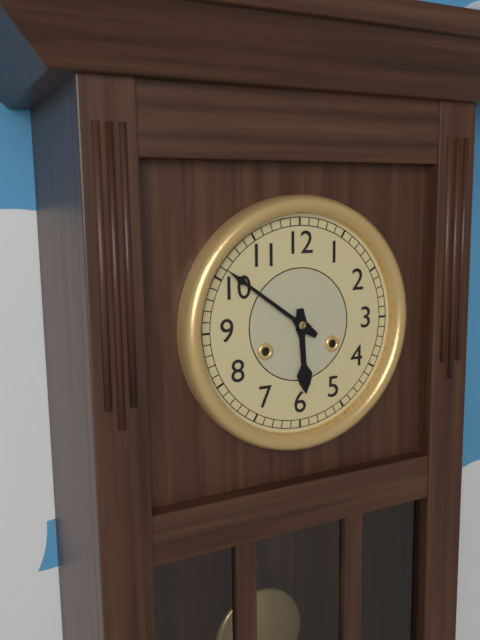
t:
5,51
